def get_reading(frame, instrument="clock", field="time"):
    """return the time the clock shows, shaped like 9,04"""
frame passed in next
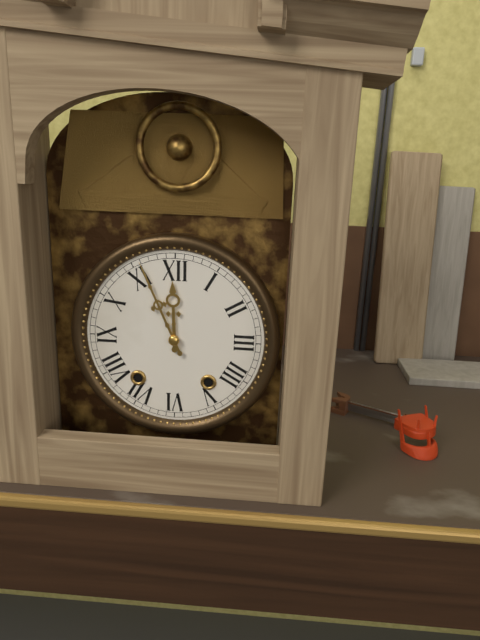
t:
11,56
